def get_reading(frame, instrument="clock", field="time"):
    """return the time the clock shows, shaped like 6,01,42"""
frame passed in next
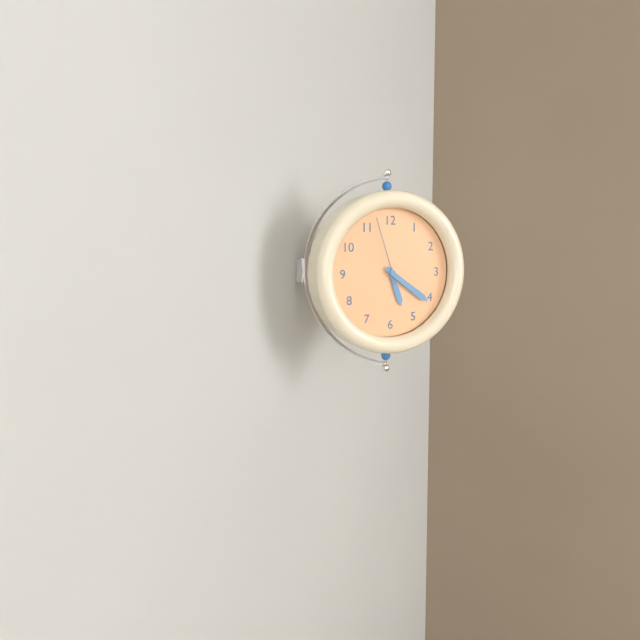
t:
5,21,57
